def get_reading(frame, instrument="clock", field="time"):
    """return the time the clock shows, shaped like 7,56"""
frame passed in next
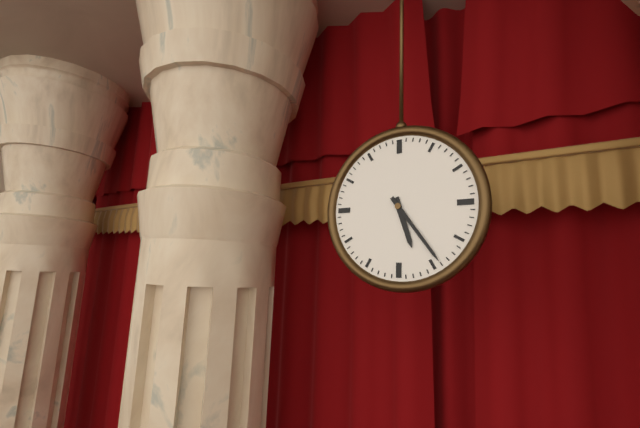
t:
5,24
